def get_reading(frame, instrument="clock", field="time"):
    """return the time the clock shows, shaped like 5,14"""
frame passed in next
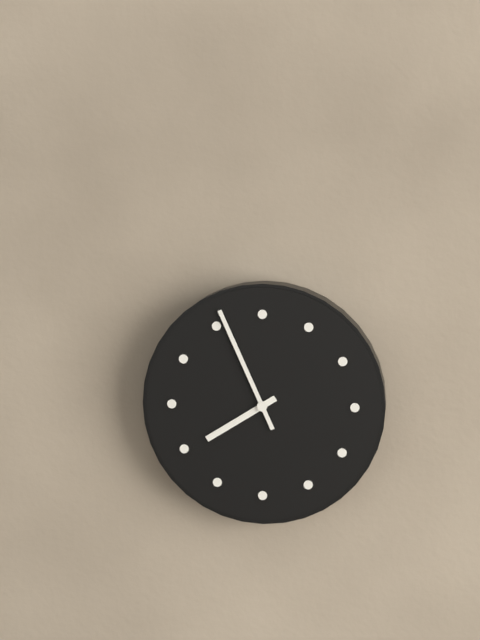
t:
7,56
